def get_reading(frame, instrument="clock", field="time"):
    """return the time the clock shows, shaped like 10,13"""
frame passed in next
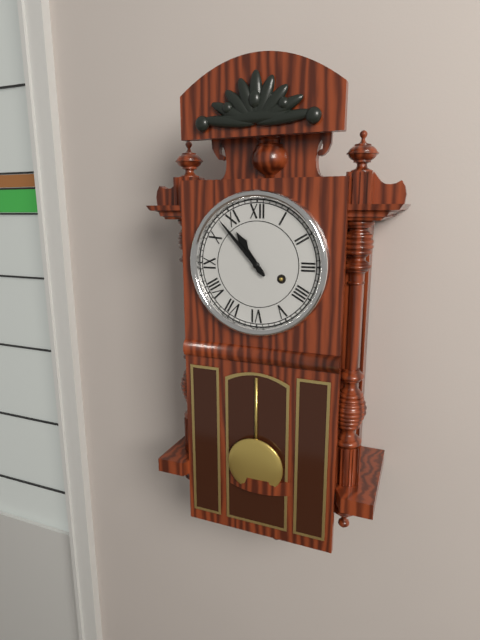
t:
10,53
